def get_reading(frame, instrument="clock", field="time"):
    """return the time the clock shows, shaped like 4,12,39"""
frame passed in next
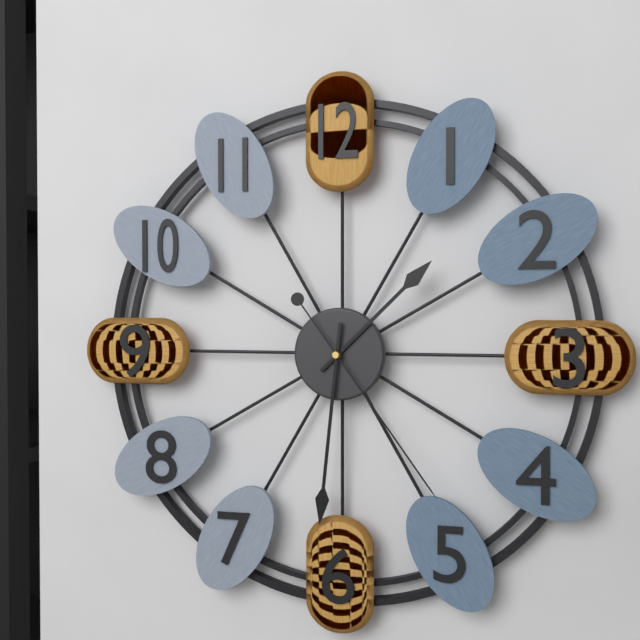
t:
1,31,24
